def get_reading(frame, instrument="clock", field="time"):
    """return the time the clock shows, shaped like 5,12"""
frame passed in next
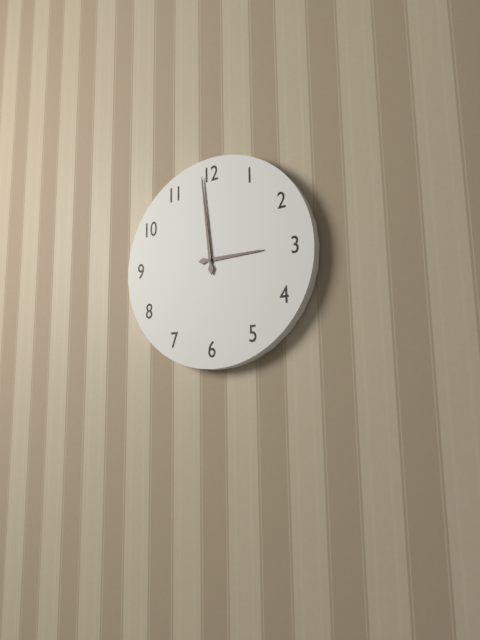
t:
2,59
